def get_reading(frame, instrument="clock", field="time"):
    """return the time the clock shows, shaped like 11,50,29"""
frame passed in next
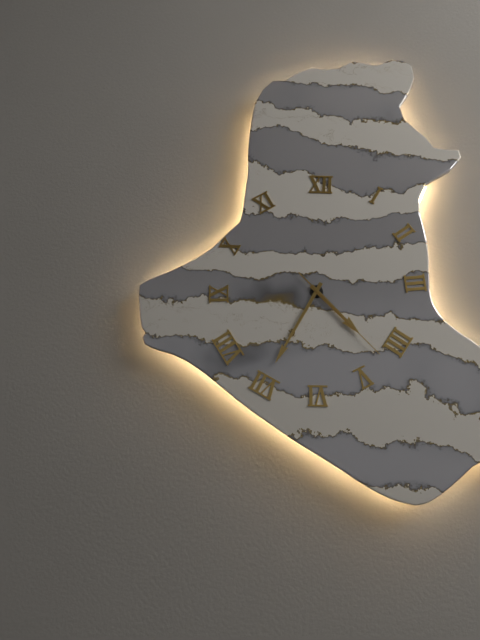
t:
4,35,23
